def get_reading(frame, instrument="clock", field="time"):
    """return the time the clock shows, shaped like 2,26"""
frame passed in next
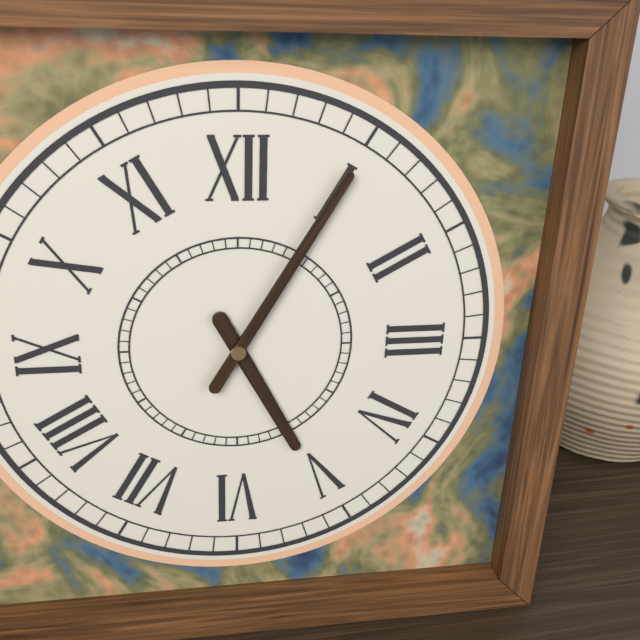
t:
5,05
